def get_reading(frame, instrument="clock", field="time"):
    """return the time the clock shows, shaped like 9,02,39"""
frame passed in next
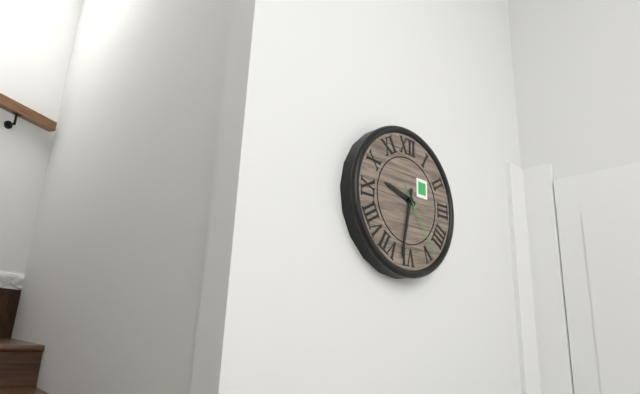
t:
9,32,24
